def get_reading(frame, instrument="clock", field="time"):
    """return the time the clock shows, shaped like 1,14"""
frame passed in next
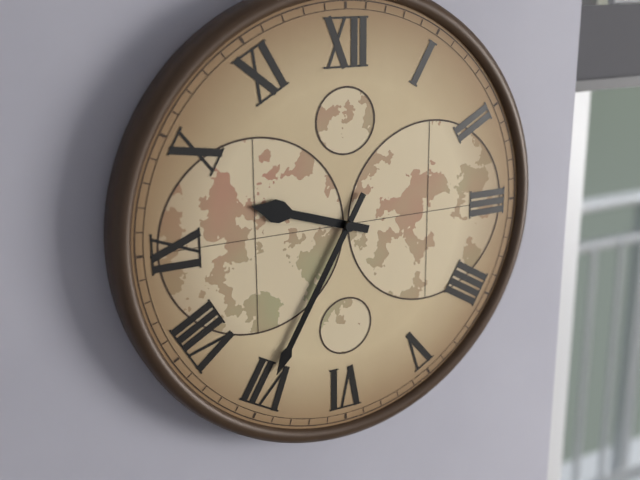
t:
9,35
